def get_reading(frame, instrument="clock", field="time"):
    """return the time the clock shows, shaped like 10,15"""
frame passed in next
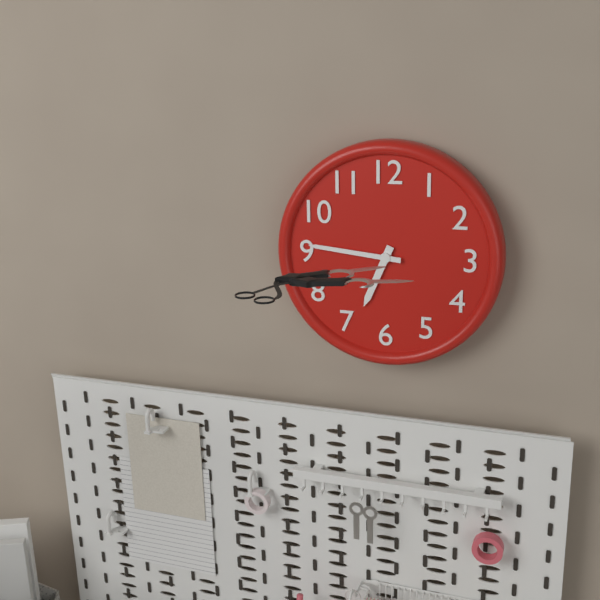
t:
6,46
